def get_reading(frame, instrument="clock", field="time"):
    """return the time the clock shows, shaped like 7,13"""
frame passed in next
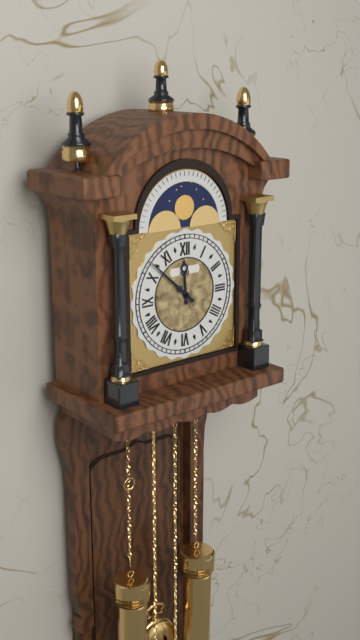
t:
11,52
